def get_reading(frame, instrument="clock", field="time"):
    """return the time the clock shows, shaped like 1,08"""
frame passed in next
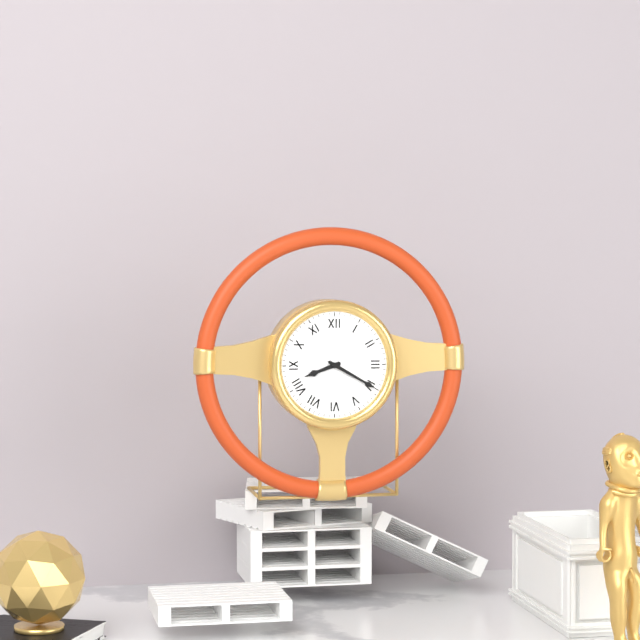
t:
8,20
